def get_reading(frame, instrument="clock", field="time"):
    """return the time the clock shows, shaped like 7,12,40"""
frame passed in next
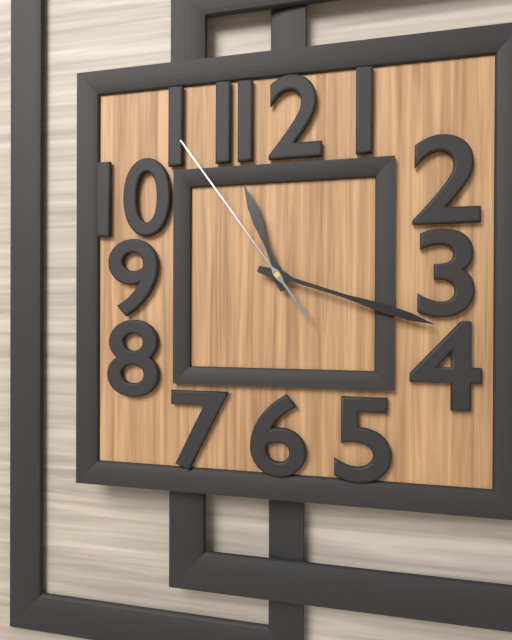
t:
11,18,54
